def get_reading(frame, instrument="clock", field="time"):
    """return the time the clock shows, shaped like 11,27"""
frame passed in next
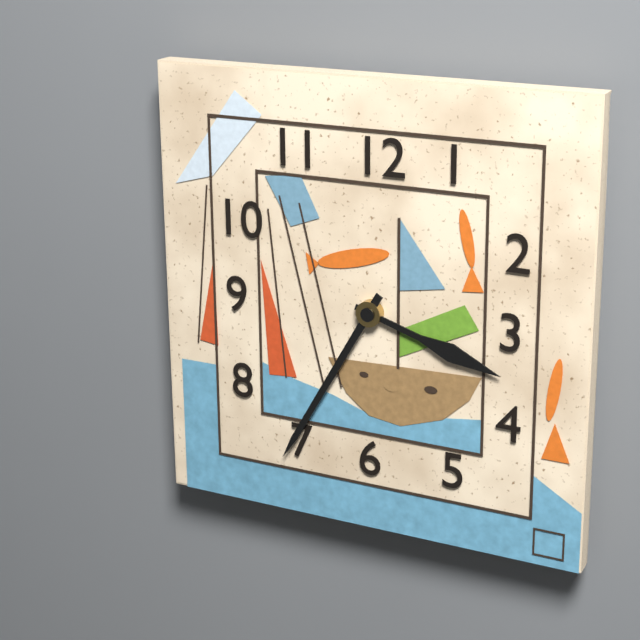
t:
3,35
